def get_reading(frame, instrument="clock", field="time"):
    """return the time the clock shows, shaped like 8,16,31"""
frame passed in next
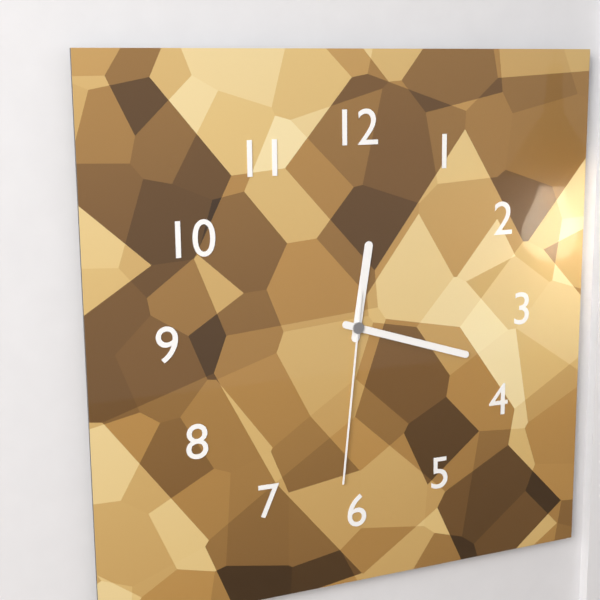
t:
12,18,31
